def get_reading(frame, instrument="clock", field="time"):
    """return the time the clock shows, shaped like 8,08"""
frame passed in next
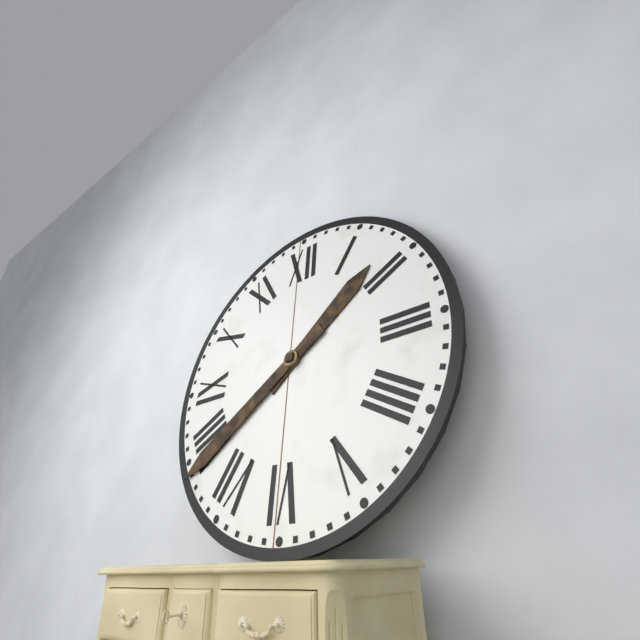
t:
1,39
